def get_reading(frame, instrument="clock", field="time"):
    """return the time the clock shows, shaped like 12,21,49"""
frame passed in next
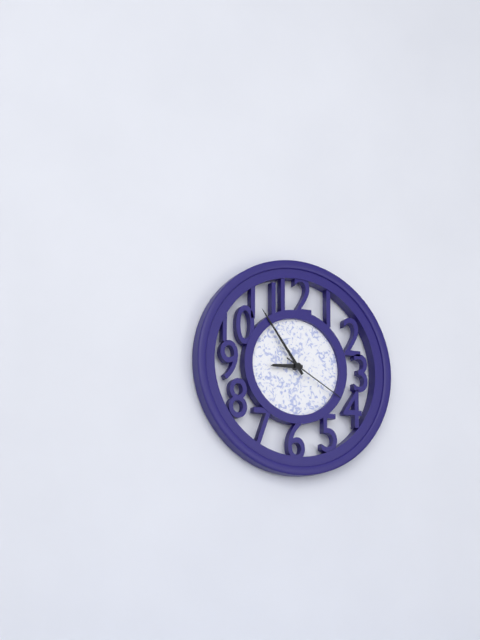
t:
8,54,20
